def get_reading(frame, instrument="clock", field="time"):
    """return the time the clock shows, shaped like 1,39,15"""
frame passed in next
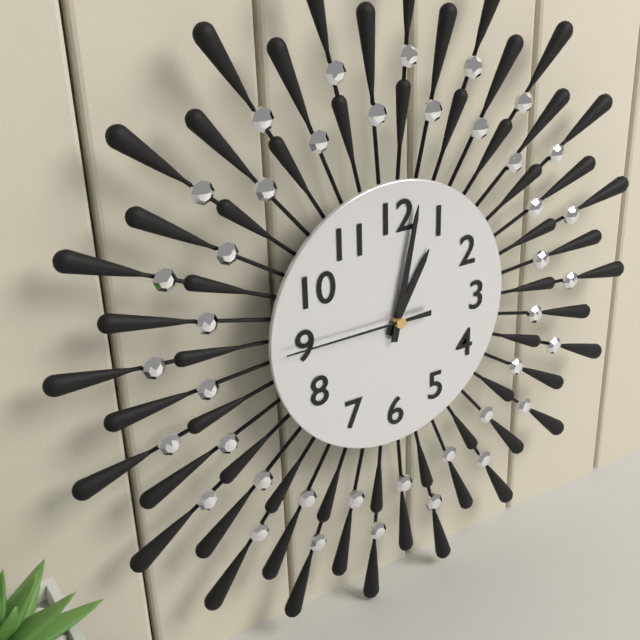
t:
1,02,45
